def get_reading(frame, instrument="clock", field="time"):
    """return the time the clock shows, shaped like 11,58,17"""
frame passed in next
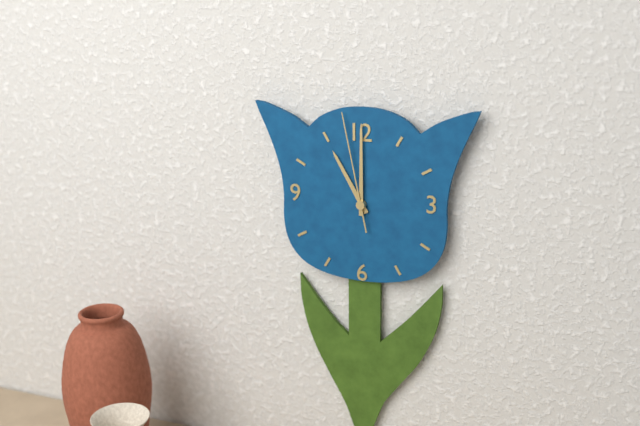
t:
11,00,58
